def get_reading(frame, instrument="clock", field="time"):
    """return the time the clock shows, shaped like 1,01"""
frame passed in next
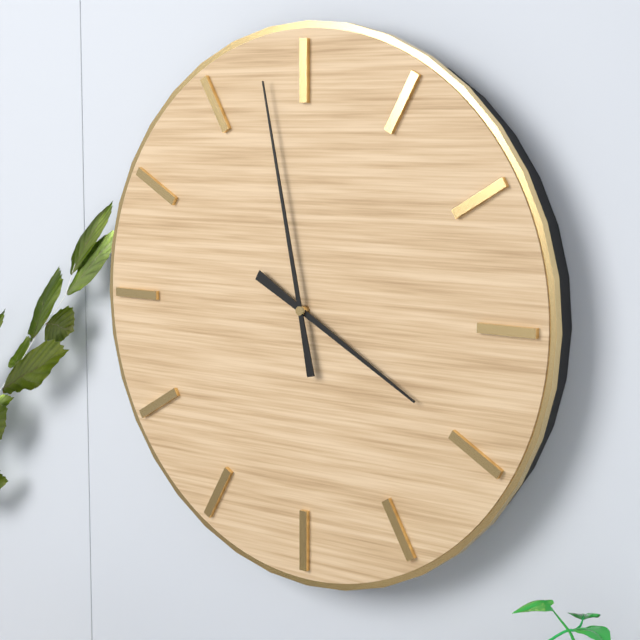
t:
3,58
